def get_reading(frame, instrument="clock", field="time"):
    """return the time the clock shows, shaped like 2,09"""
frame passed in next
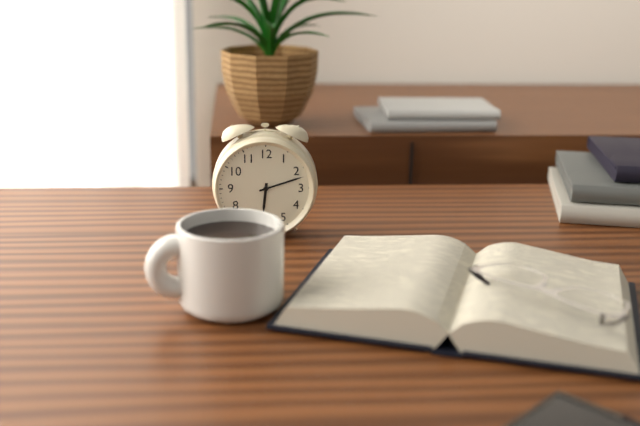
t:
6,12
